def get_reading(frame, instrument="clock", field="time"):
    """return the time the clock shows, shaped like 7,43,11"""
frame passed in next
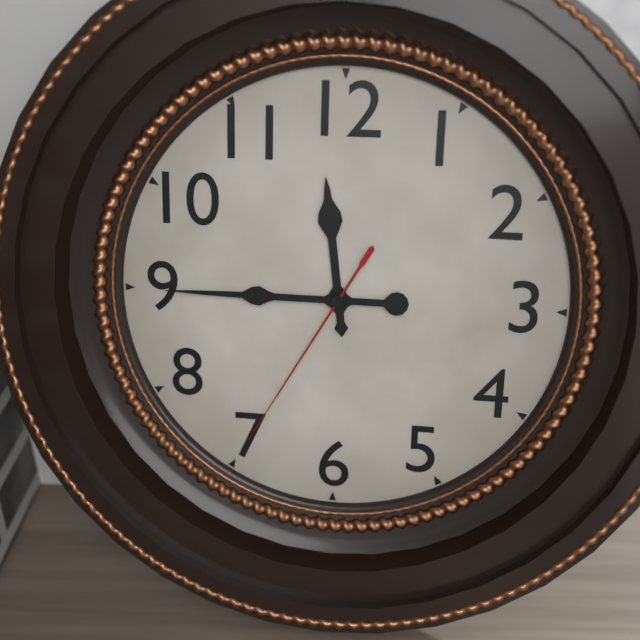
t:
11,45,35
